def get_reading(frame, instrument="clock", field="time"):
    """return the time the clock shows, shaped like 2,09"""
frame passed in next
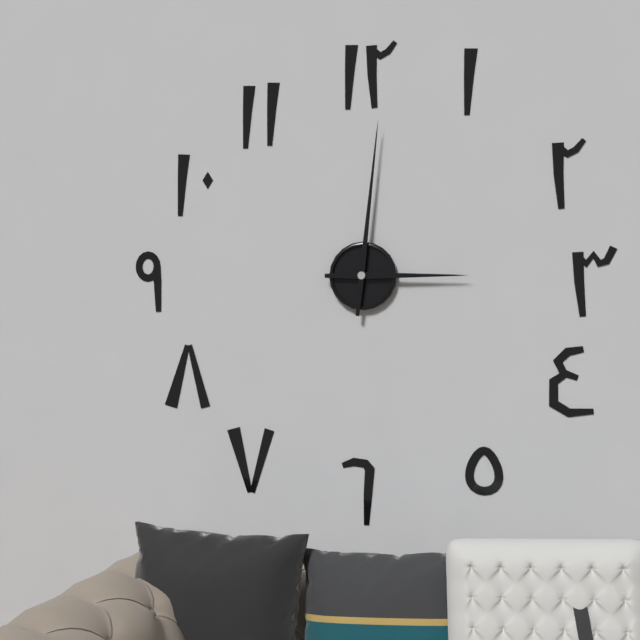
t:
3,01
